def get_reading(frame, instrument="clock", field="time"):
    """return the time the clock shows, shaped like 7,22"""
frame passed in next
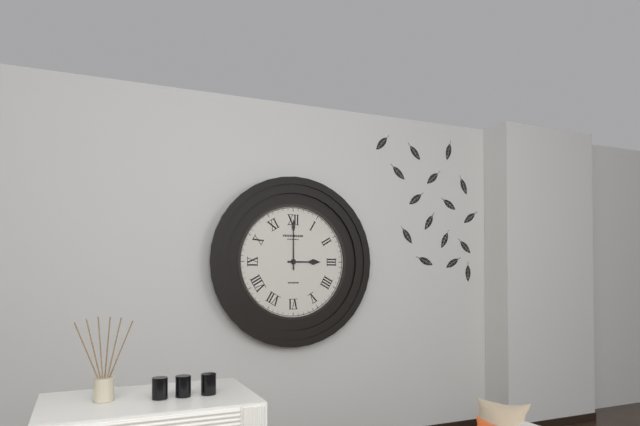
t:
3,00
